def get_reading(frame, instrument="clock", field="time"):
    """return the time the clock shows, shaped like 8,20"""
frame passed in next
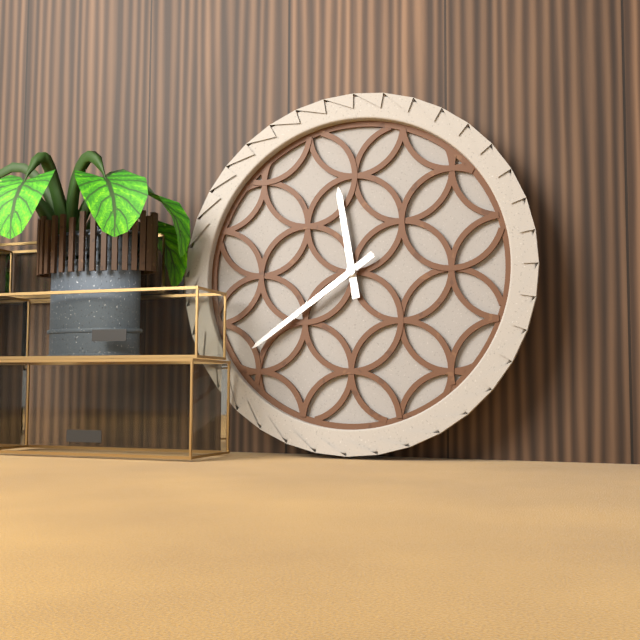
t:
11,39
